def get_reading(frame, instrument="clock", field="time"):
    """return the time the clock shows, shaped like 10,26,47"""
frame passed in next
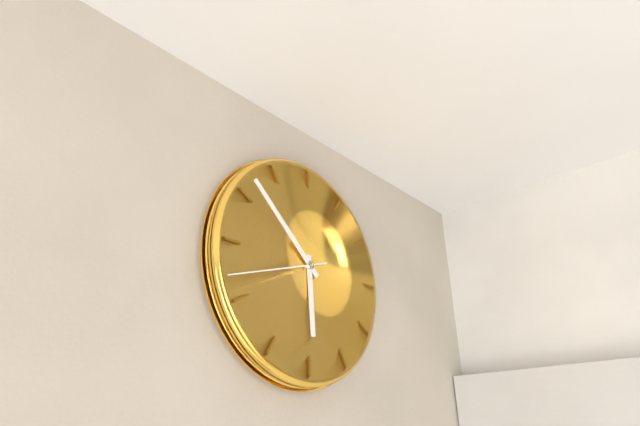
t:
5,52,42
